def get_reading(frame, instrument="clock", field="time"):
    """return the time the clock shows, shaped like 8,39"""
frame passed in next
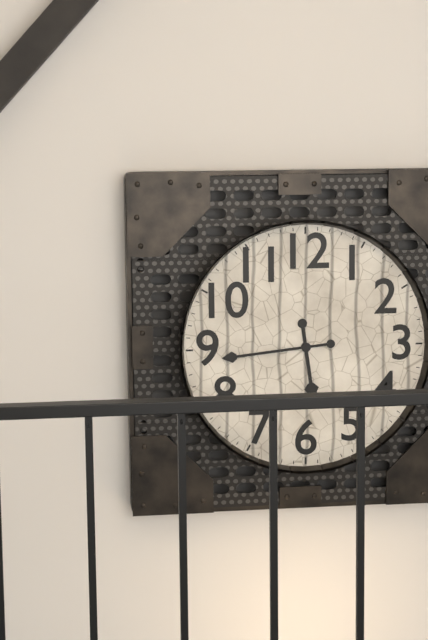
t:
5,44
